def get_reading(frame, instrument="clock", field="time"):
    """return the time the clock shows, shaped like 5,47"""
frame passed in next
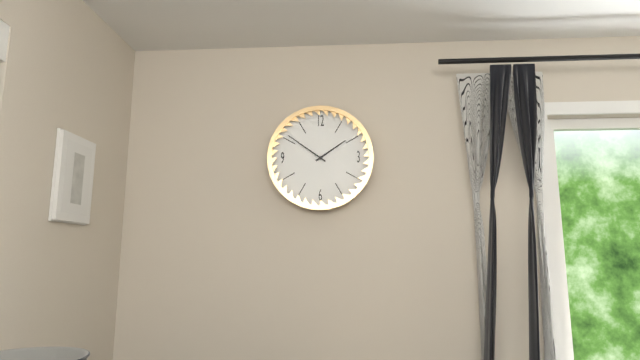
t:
1,51
